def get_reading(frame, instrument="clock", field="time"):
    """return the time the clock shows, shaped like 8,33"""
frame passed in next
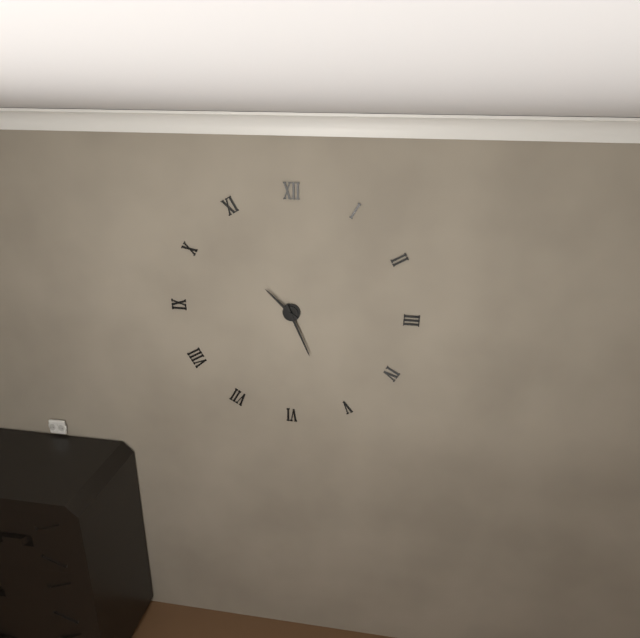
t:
10,26
